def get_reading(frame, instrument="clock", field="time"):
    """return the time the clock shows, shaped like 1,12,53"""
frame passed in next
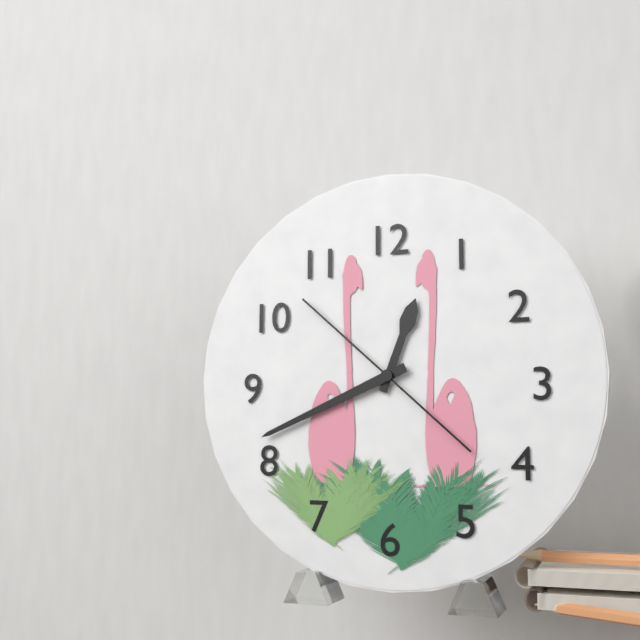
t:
12,41,52
